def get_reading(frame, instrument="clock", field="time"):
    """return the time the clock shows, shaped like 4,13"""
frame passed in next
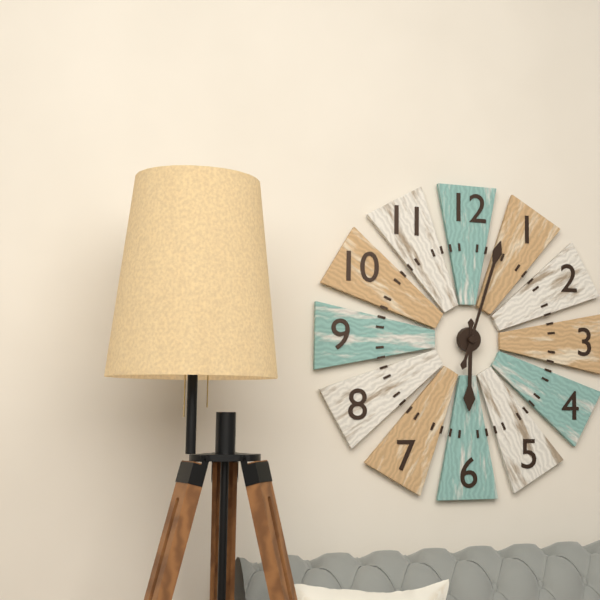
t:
6,03
